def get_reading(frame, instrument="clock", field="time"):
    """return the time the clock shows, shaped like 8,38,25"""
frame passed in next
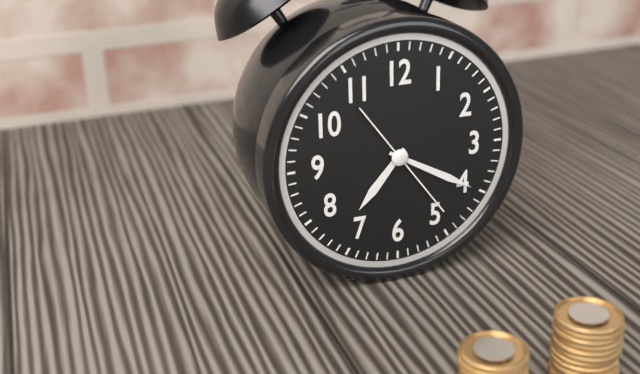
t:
7,20,24
